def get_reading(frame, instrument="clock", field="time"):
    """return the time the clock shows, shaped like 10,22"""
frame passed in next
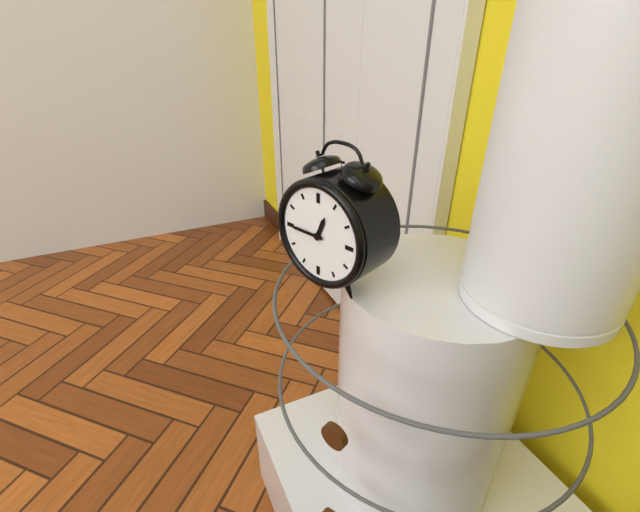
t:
12,45
